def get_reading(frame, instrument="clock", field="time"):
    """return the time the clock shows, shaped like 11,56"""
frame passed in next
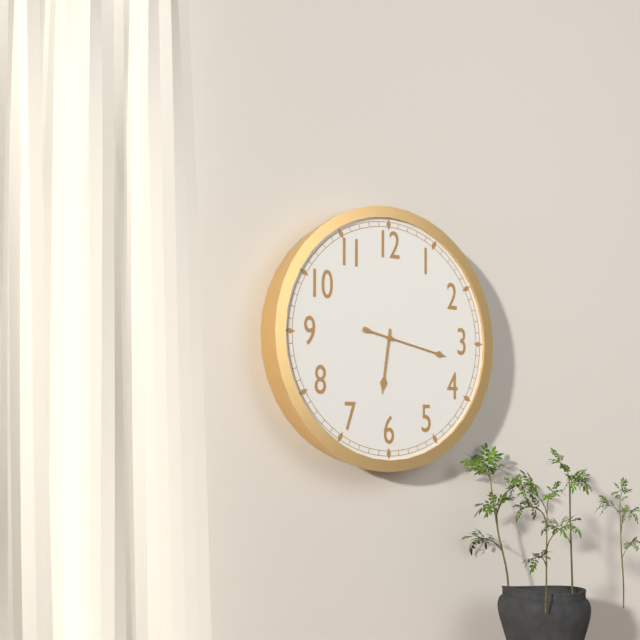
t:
6,17
